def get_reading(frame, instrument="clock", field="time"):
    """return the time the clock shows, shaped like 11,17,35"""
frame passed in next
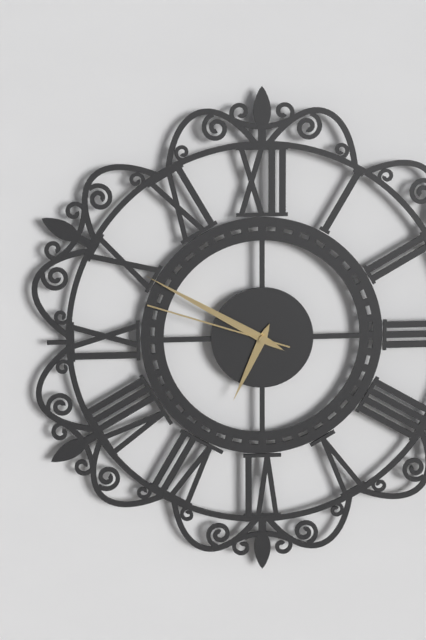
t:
6,50,48
